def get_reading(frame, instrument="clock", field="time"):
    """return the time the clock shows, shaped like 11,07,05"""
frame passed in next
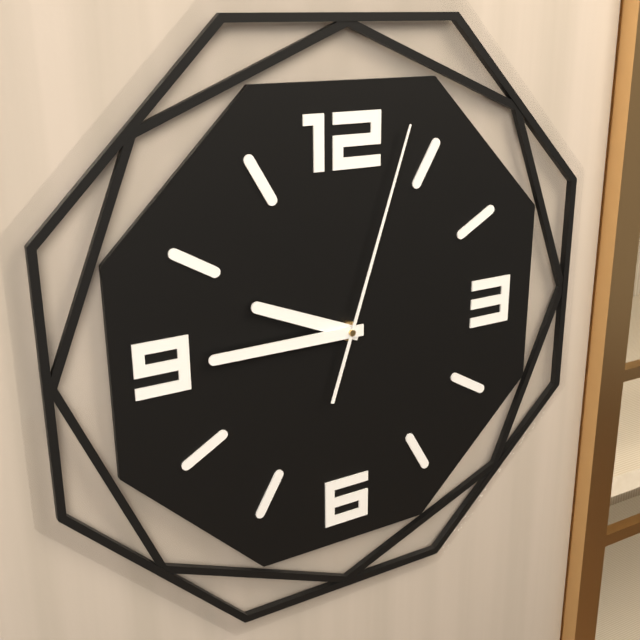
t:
9,45,03
